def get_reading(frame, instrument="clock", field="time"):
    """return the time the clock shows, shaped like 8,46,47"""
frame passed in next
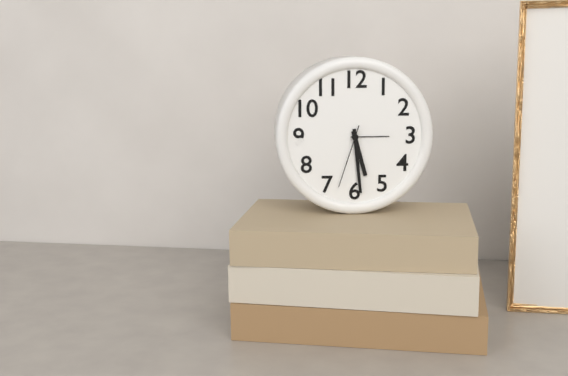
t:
5,29,33
